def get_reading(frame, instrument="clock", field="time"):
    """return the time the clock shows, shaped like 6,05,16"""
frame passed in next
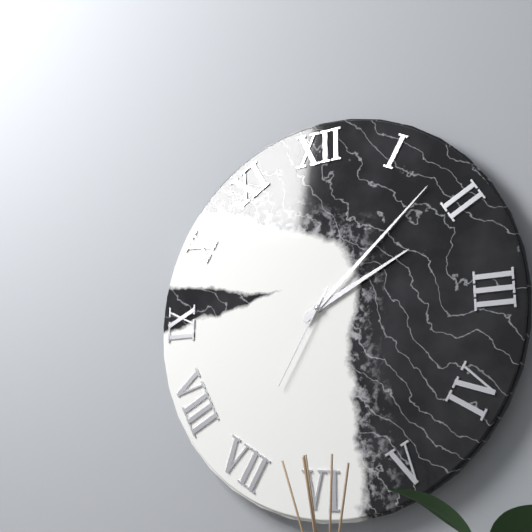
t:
2,08,35
